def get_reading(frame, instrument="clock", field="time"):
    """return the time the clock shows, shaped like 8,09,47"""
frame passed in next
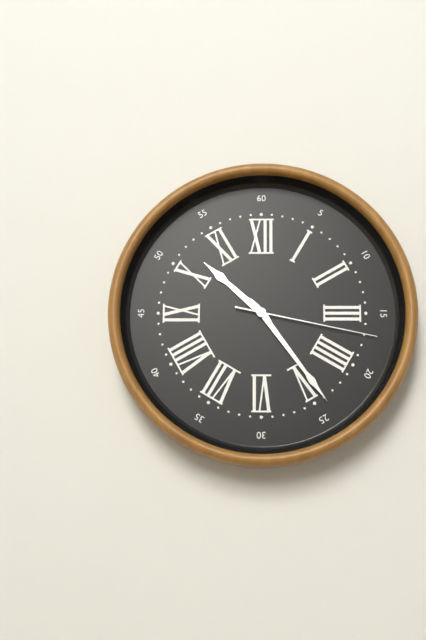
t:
10,24,17
